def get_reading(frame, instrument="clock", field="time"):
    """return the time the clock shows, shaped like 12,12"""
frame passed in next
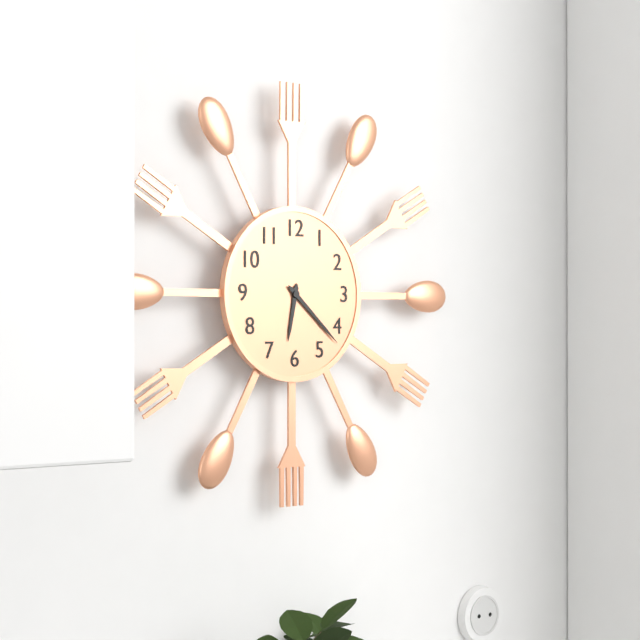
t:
6,22
